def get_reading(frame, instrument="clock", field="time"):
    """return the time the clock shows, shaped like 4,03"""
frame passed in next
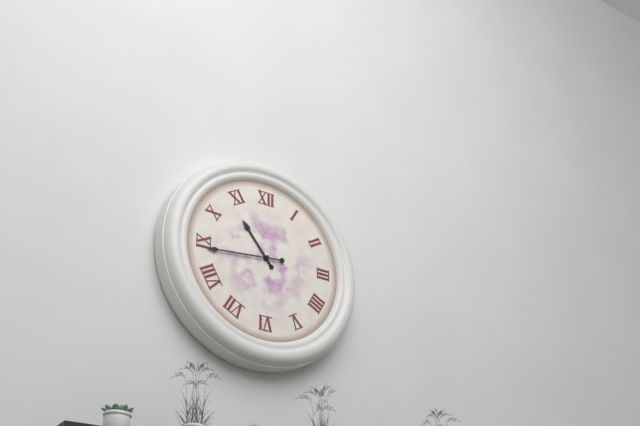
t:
10,44
